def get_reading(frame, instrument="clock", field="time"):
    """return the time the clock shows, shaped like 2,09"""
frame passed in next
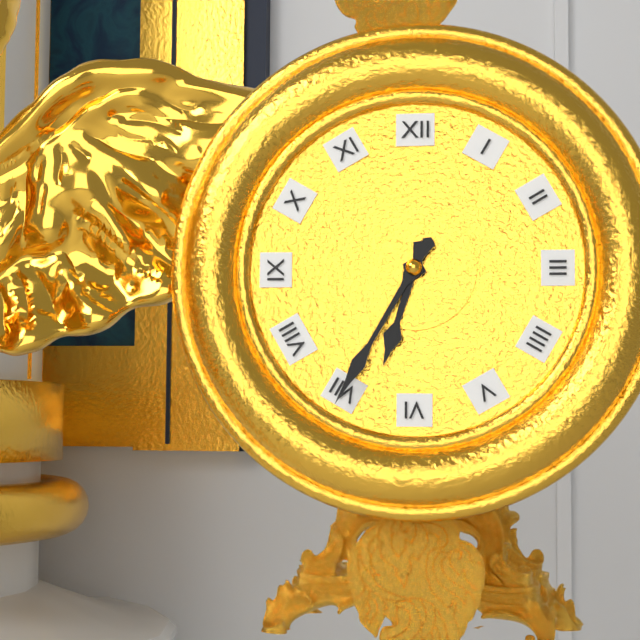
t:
6,35
